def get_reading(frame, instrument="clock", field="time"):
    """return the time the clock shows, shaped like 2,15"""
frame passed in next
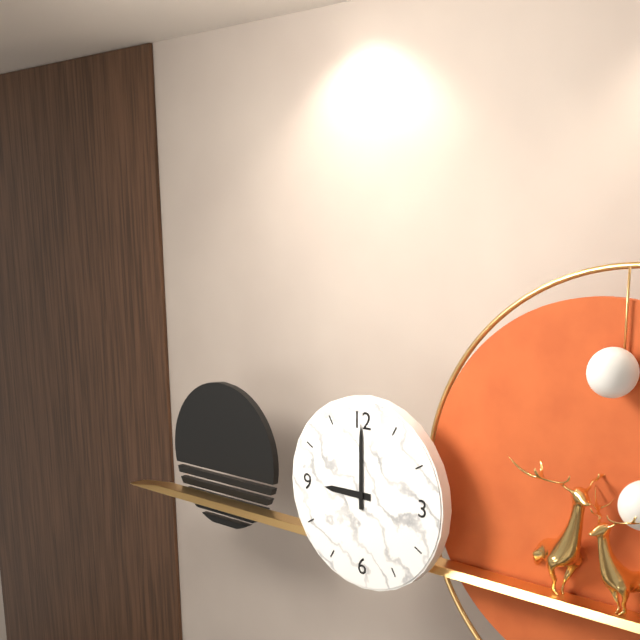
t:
9,00
